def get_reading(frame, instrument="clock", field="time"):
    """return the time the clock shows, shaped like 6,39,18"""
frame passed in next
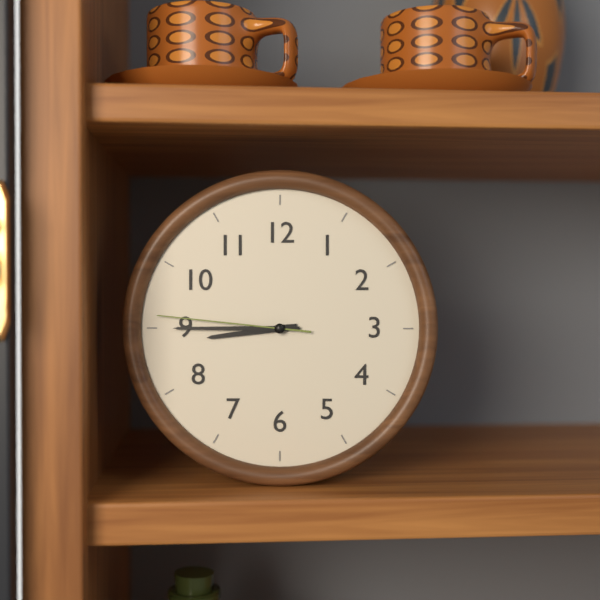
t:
8,45,46
